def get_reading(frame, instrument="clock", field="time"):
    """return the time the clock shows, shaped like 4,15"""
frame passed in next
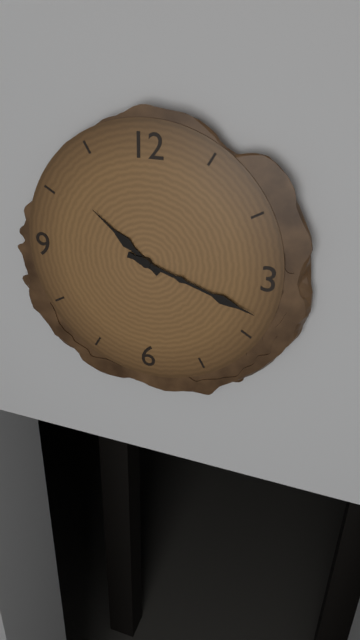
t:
10,18
